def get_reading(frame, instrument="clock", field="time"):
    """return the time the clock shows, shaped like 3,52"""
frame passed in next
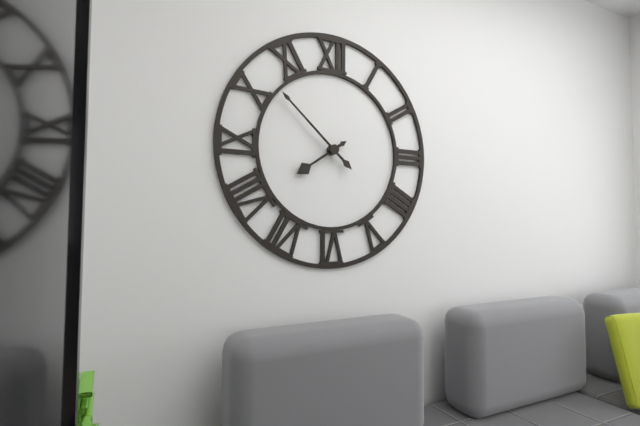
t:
7,52
